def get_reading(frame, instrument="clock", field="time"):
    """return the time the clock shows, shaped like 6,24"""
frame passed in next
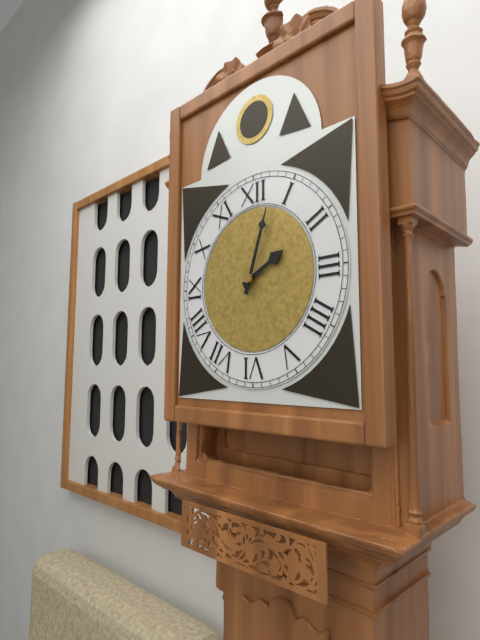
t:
2,03
